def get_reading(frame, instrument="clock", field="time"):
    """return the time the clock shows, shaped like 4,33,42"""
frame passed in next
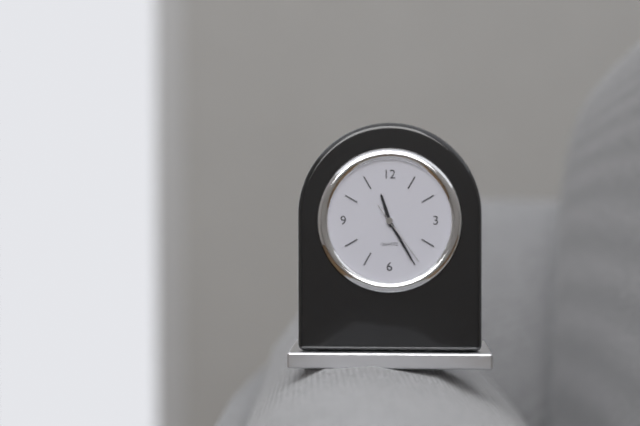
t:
11,25,24
